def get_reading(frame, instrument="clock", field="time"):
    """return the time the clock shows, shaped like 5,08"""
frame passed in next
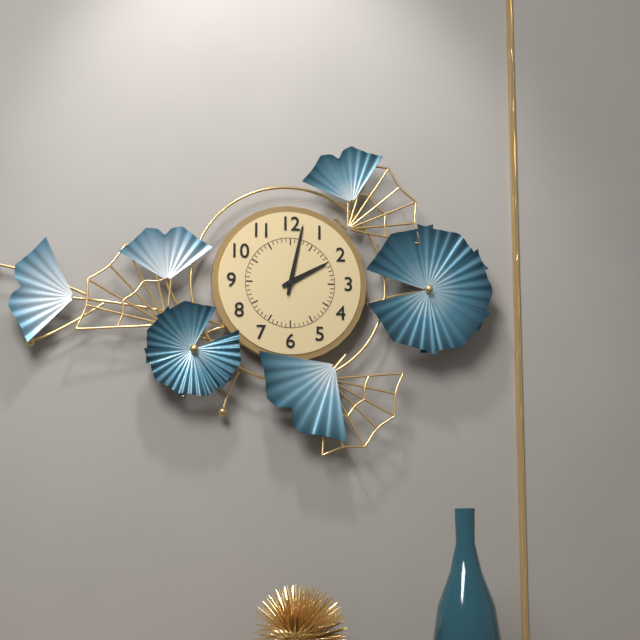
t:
2,02
